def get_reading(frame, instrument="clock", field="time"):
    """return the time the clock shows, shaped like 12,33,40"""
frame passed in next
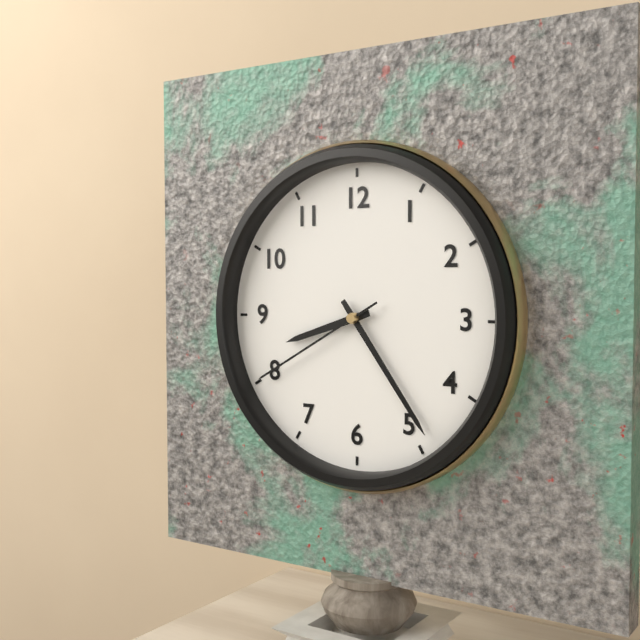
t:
8,24,40
